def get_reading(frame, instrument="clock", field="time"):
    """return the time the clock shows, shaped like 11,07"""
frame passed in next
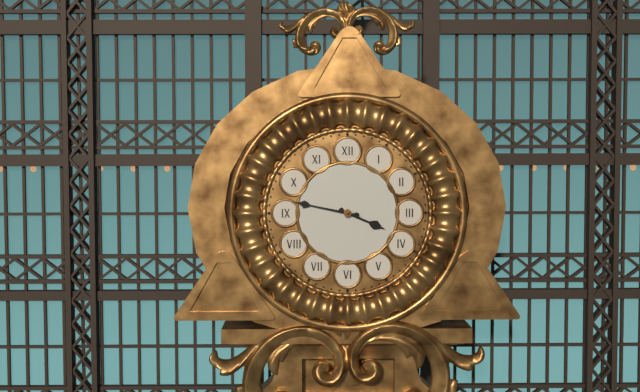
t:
3,47
